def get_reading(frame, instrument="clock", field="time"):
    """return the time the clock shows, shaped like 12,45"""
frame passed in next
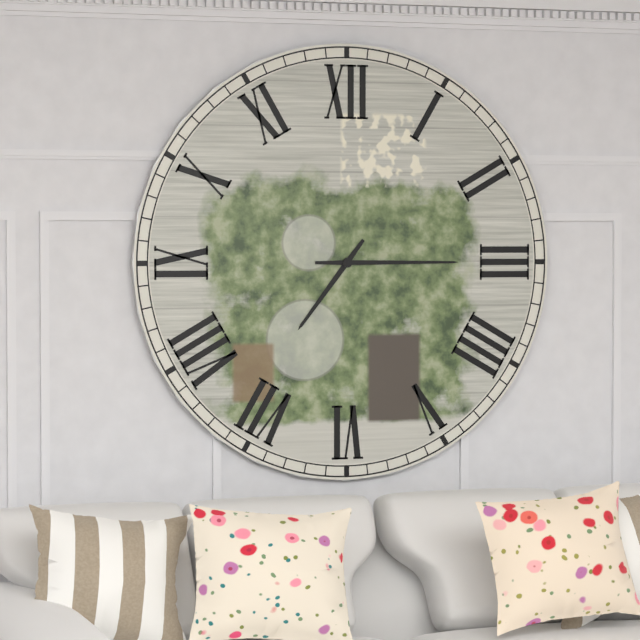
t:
7,15
